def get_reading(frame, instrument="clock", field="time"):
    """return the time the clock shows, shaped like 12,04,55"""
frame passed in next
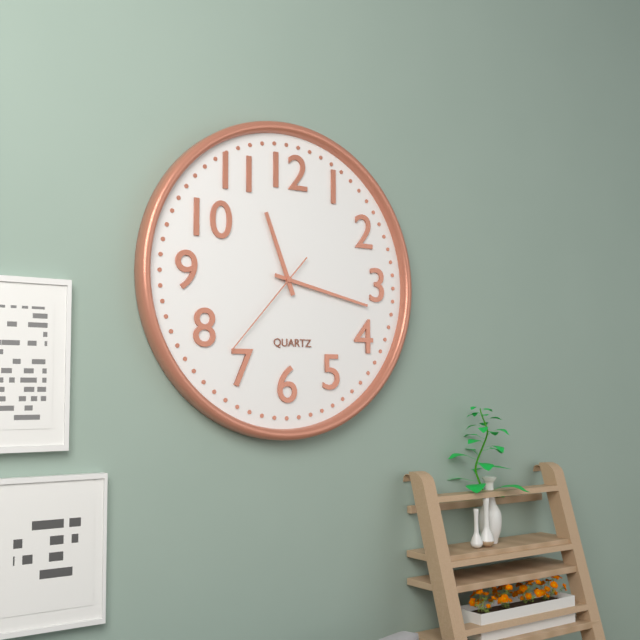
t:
11,17,37
